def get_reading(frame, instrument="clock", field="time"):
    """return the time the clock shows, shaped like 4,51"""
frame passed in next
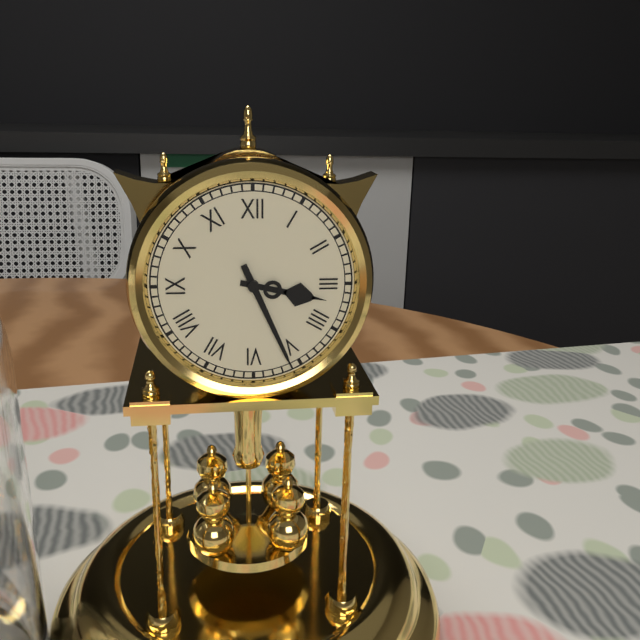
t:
3,26
